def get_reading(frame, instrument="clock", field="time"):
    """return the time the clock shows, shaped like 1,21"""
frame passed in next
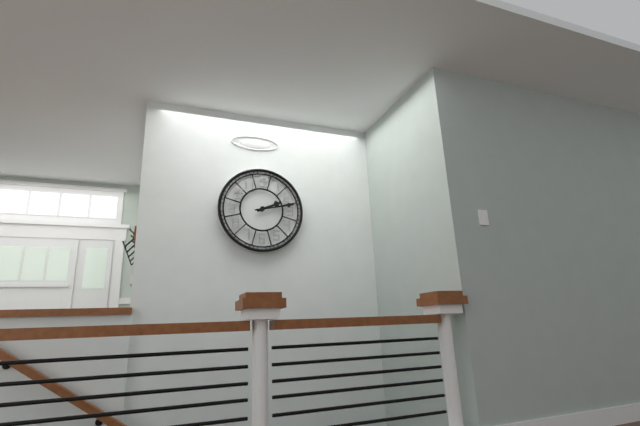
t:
2,13
